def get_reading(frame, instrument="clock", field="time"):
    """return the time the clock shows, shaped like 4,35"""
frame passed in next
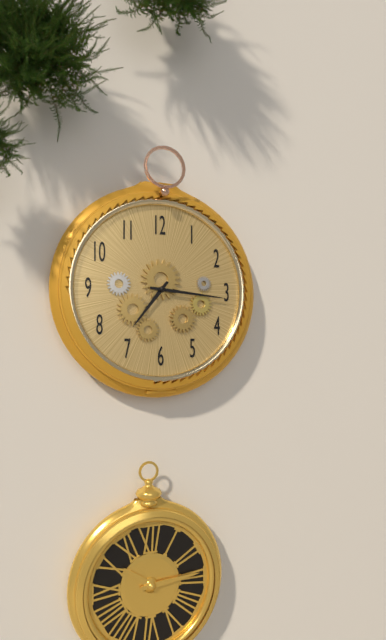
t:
7,16
